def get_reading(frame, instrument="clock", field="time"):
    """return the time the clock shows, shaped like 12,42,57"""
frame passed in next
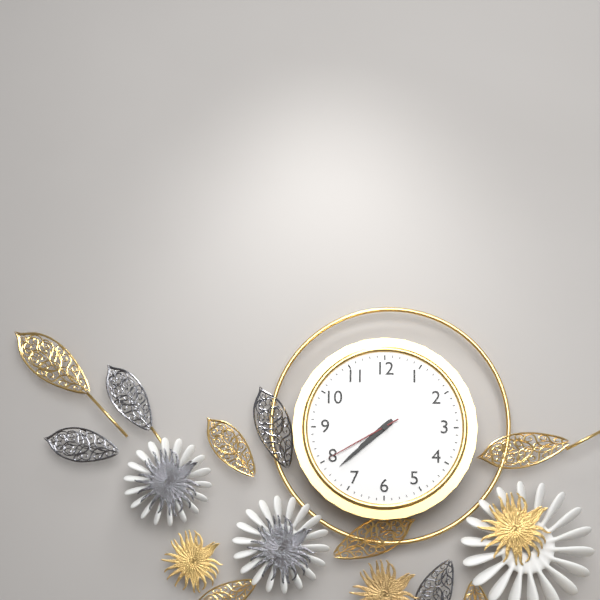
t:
7,38,40
